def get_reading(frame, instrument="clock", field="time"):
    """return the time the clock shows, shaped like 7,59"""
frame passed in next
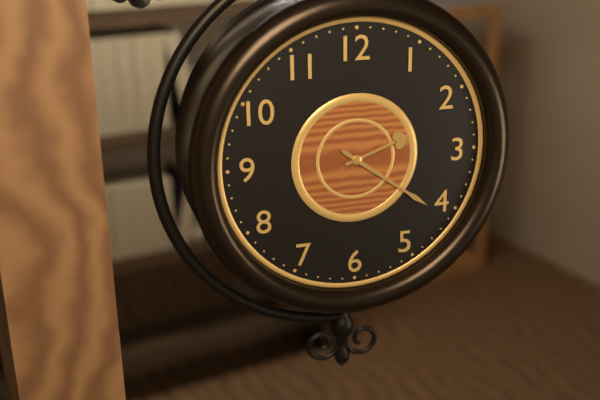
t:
2,21
